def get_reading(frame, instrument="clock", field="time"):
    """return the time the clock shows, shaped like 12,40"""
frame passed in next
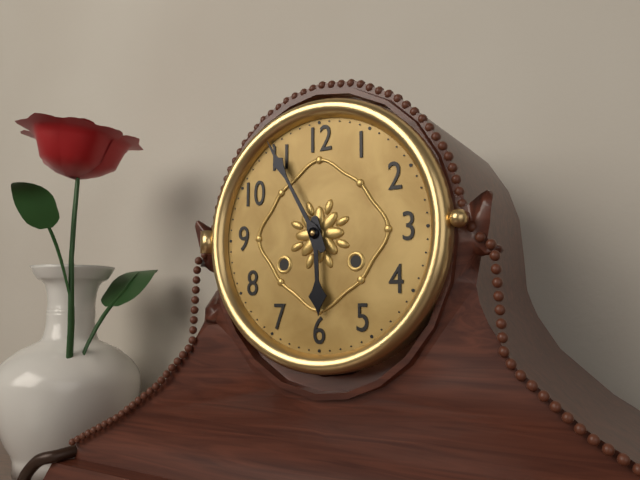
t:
5,55
